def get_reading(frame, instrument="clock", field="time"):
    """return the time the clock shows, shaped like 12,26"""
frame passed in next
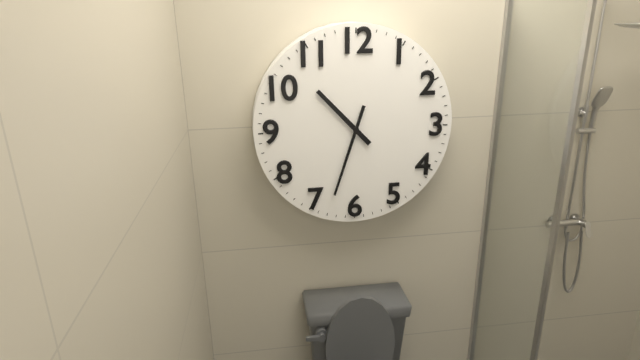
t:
10,33
